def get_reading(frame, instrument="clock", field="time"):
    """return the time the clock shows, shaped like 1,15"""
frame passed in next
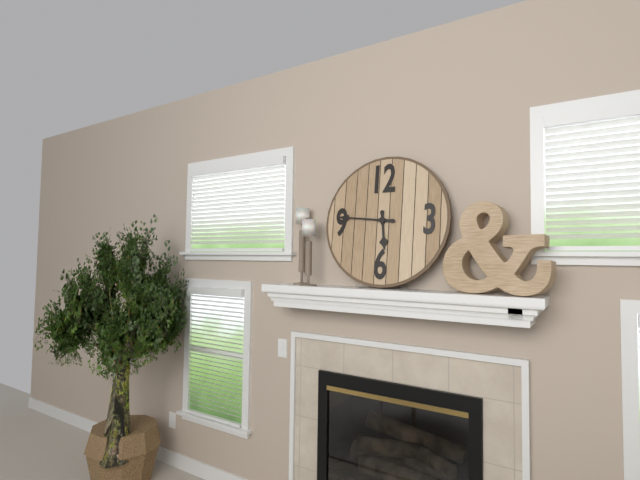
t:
5,46
